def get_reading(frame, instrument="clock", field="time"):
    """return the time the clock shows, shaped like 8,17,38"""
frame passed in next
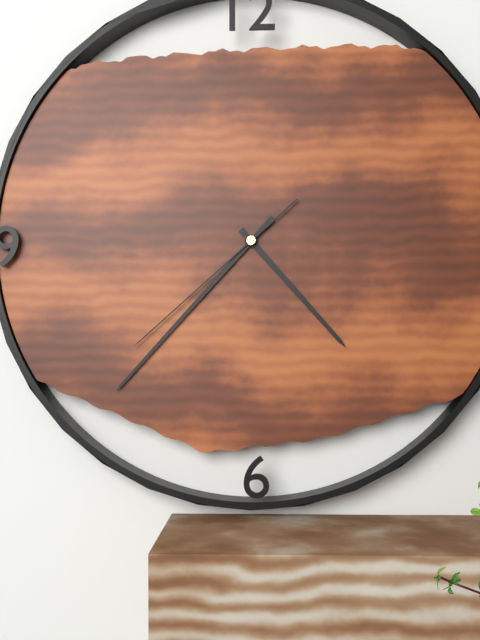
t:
4,37,38
